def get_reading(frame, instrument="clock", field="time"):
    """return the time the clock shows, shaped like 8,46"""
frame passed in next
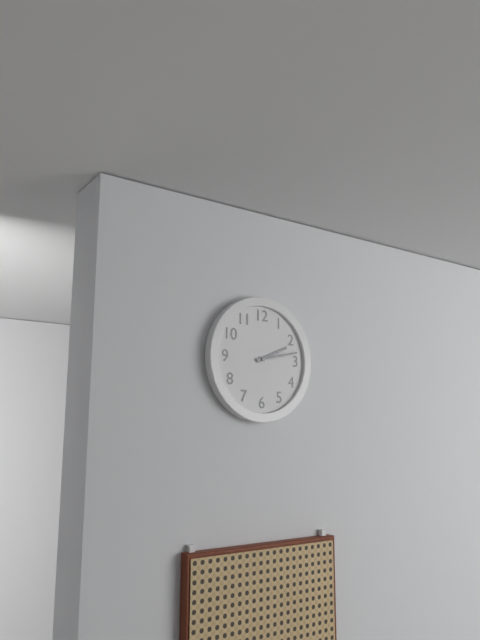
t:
2,13
